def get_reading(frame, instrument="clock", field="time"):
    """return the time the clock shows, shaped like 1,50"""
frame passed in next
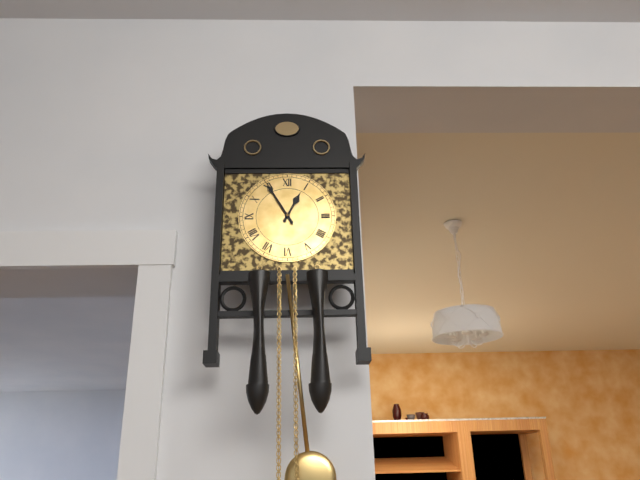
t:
12,55
